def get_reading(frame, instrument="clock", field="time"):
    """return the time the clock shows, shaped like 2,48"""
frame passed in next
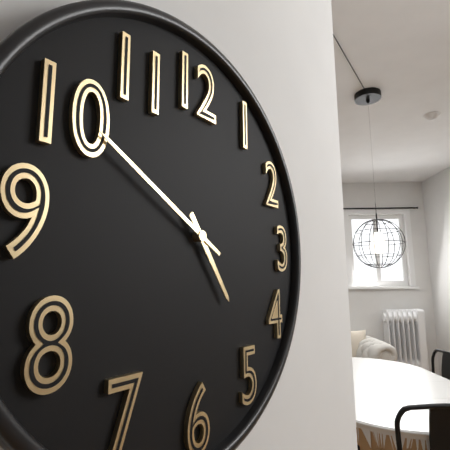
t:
4,50
